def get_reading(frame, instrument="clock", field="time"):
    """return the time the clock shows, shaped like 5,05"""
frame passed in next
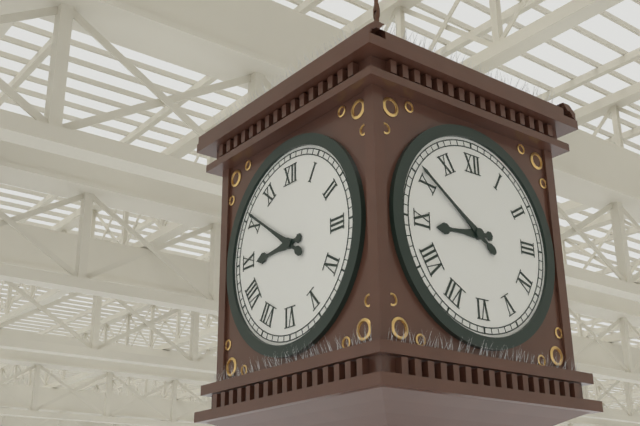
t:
8,51
